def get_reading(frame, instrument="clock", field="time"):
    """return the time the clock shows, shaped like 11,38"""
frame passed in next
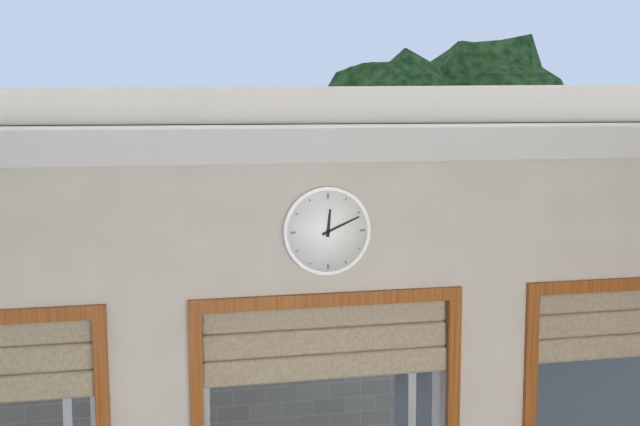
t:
12,11
